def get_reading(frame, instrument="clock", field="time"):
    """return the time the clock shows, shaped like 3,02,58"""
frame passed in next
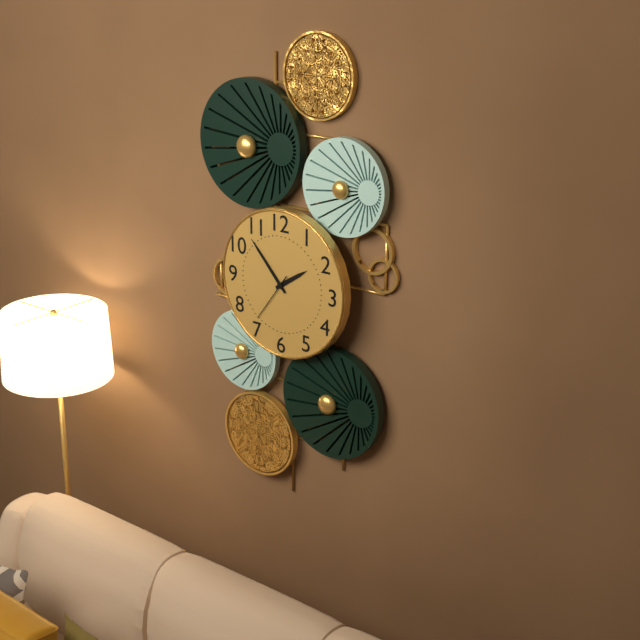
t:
1,53,36
